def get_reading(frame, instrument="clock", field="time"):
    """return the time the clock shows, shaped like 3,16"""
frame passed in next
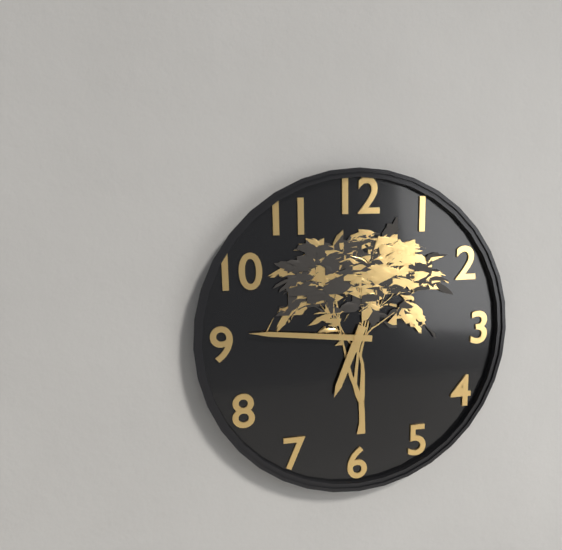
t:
6,46
